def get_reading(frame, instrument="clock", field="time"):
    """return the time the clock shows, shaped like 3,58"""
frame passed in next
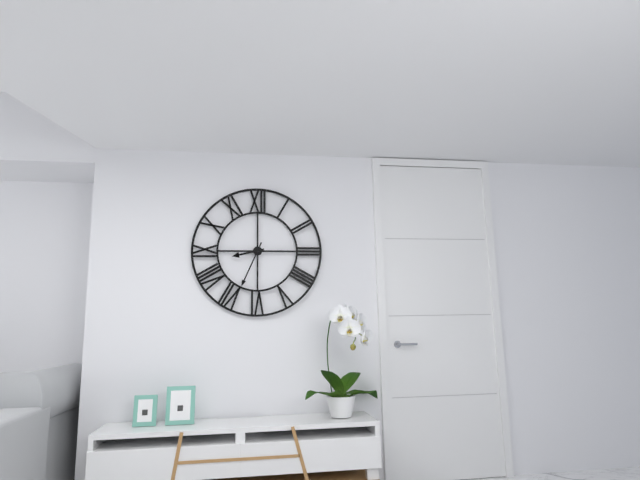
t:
8,34
